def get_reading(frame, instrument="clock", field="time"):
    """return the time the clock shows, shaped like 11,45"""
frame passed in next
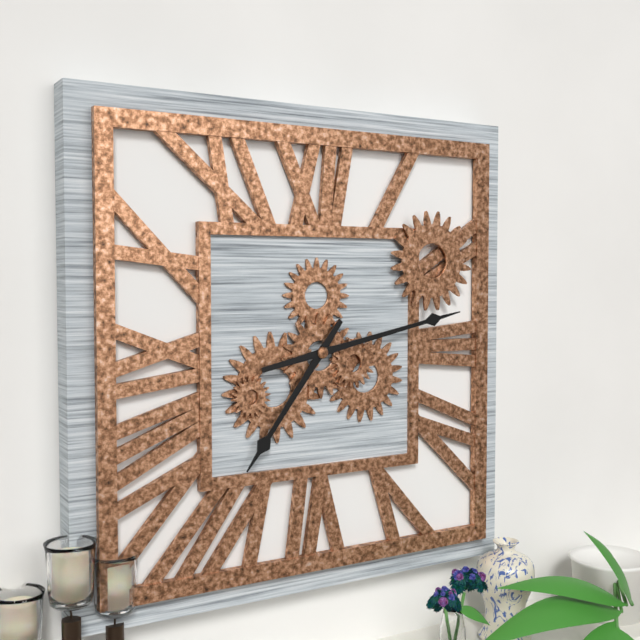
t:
7,13
